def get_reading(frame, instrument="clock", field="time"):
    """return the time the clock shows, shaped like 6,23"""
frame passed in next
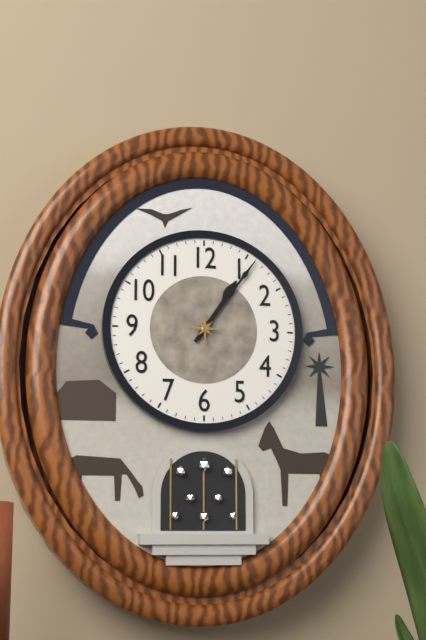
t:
1,06
